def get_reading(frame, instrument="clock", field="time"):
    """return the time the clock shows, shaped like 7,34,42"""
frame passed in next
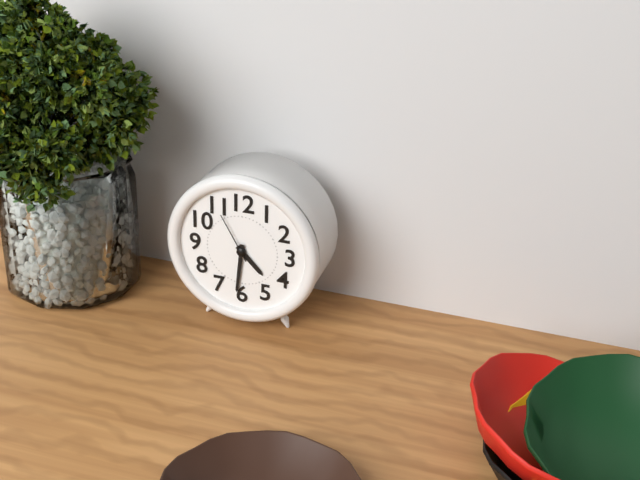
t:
4,31,55
